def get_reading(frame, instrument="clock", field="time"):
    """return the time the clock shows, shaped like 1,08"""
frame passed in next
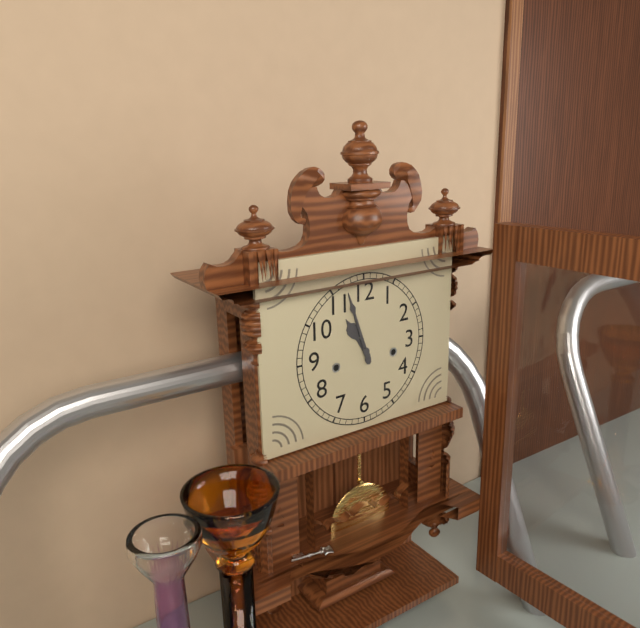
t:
10,57
